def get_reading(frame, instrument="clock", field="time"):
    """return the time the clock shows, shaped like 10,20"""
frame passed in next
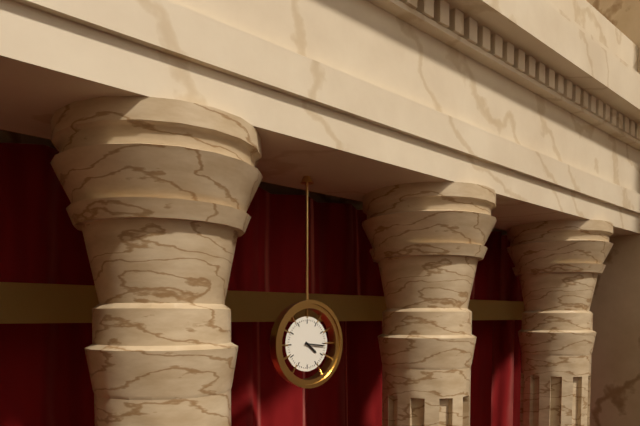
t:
4,16
